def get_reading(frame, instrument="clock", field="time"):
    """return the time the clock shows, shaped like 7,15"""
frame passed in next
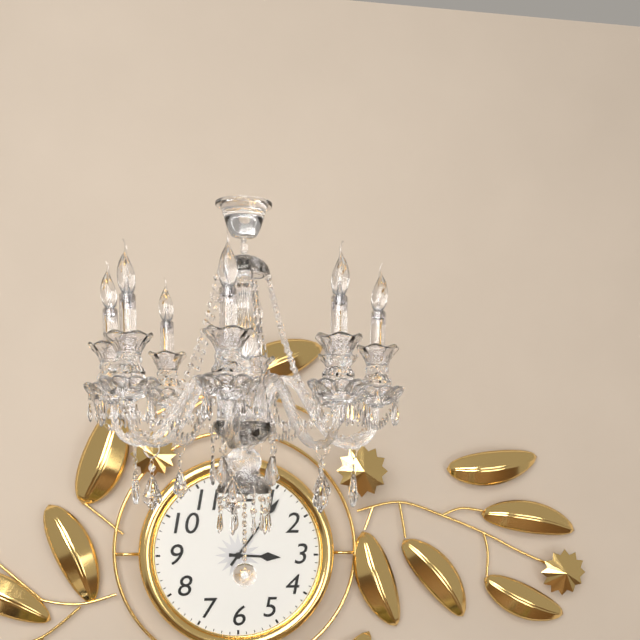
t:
3,06
